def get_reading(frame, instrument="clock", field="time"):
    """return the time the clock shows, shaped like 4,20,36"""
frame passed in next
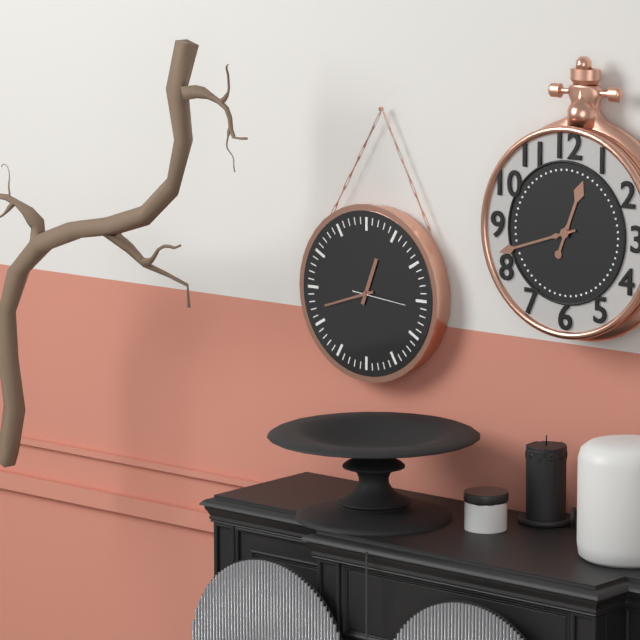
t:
12,42,16
